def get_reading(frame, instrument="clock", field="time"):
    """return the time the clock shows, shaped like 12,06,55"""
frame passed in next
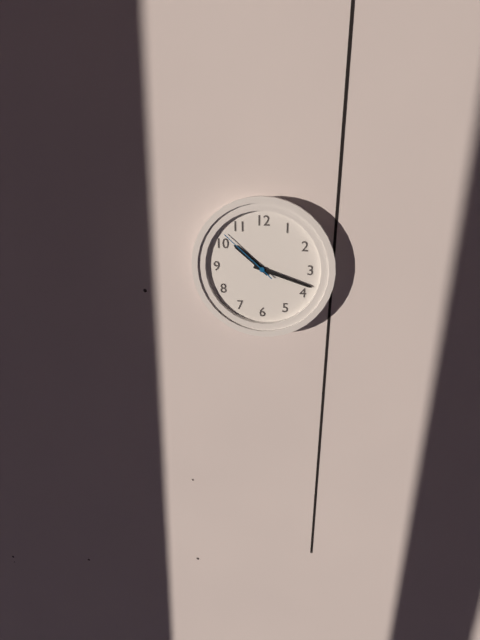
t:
10,18,52
